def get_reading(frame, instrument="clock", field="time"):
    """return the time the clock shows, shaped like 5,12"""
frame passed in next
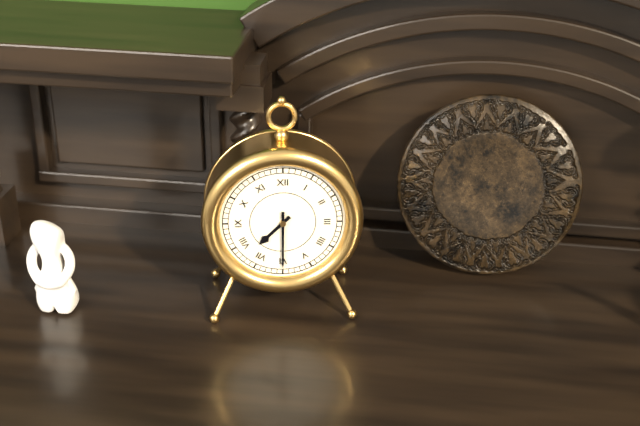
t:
7,30
